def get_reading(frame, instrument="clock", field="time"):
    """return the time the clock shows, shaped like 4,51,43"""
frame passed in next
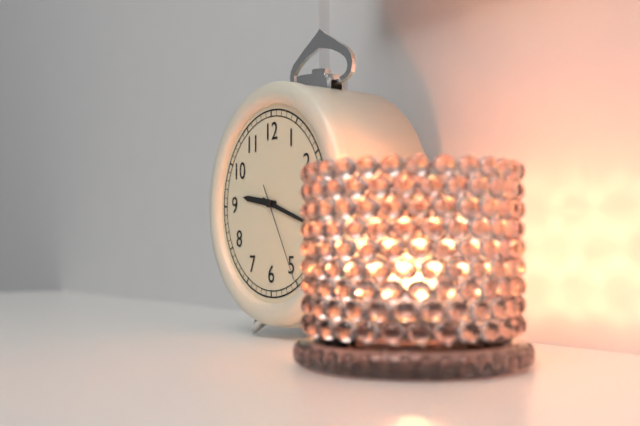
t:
9,18,25
